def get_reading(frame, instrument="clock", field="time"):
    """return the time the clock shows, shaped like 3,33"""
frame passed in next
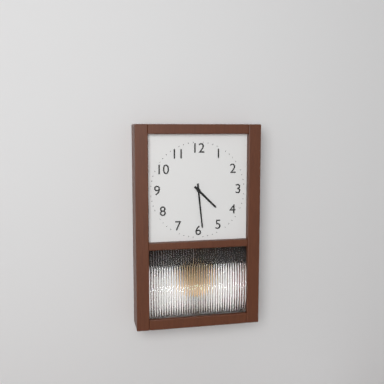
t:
4,29
